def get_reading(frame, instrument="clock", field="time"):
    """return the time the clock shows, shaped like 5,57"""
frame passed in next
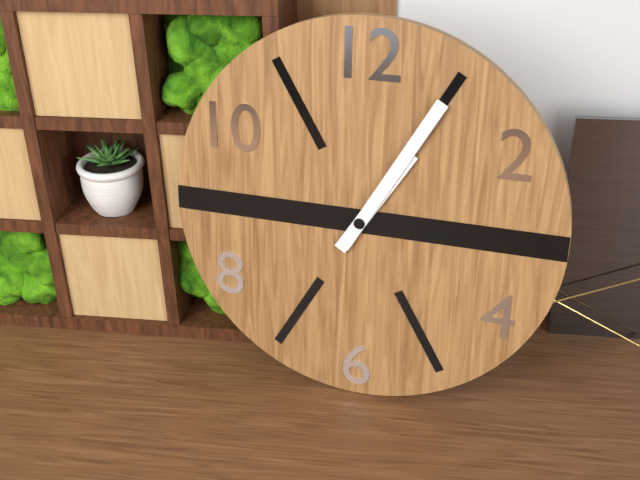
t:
1,05
